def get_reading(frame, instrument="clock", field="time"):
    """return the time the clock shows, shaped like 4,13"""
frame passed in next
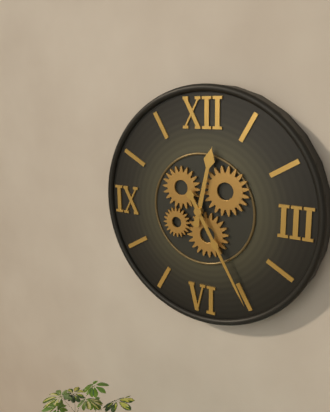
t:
12,25
